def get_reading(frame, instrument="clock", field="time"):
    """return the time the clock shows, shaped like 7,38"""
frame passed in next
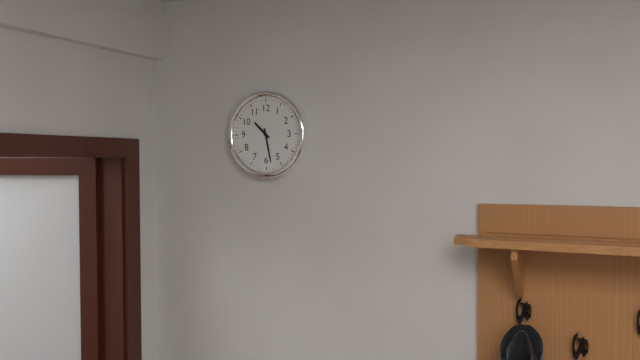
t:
10,28
